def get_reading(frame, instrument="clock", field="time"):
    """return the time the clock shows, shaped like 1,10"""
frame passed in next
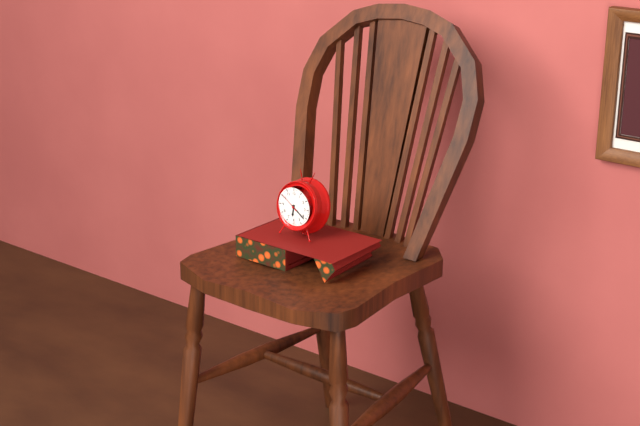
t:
6,21
